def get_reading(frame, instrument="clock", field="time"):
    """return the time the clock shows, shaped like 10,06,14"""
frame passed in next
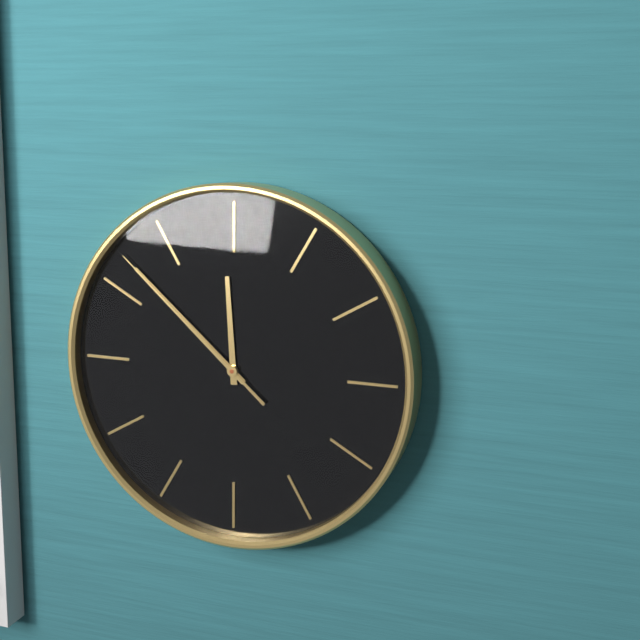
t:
11,52,52
